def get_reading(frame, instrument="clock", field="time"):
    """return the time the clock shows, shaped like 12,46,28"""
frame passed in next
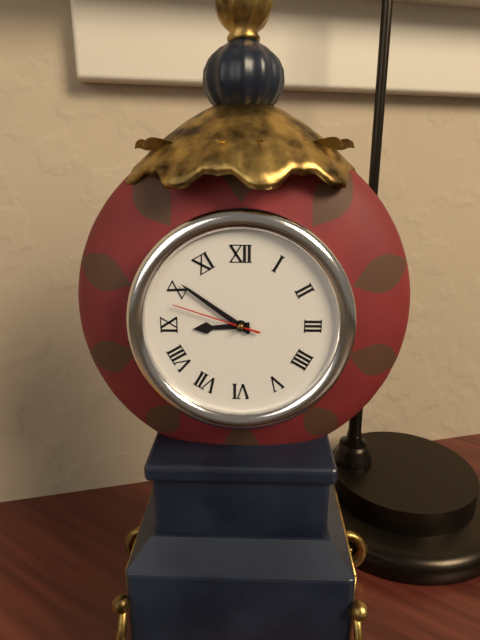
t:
8,51,48
